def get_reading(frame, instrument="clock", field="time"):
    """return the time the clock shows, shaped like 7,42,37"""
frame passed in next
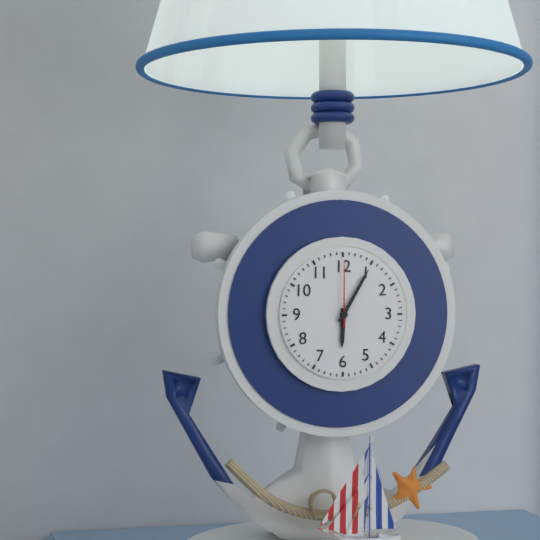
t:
6,05,00
